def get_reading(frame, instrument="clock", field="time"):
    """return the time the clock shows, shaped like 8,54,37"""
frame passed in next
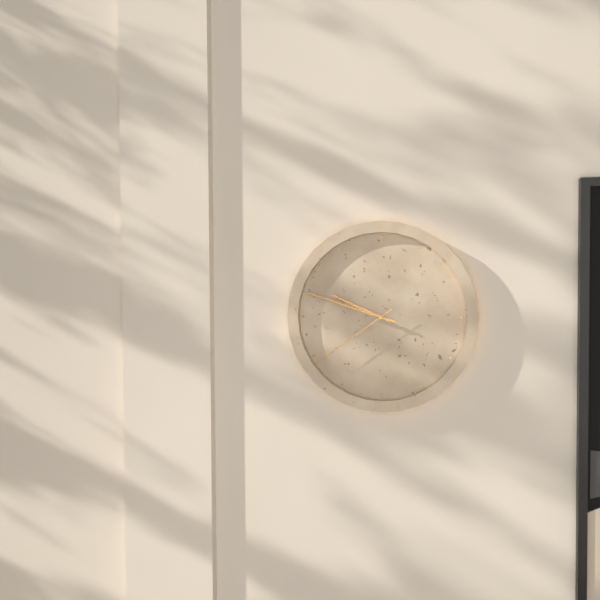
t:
9,48,39
